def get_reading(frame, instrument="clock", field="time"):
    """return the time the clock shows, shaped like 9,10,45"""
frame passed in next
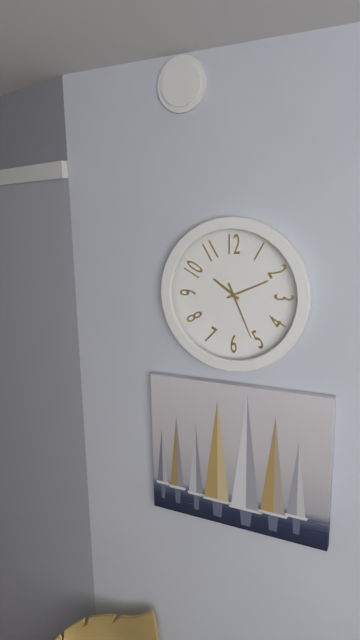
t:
10,11,26
